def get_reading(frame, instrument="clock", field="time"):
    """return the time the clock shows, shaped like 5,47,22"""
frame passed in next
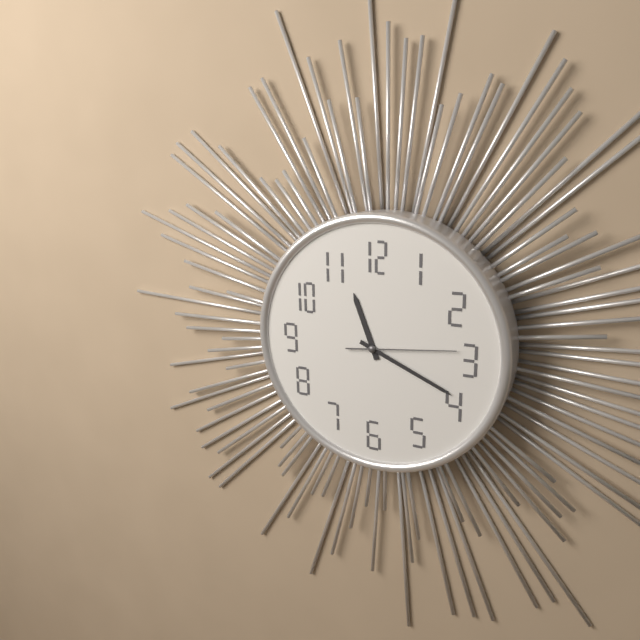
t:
11,19,14
